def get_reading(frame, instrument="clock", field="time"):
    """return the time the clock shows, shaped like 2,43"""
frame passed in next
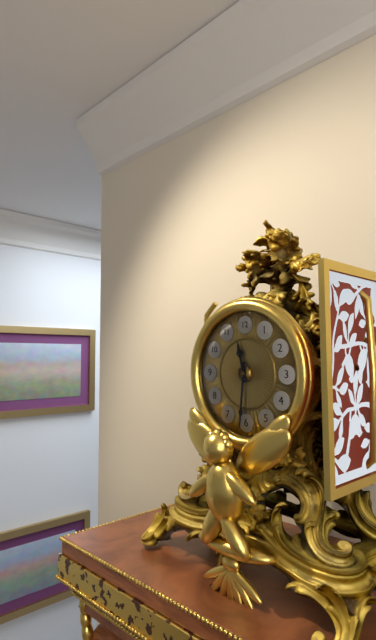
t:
11,31
